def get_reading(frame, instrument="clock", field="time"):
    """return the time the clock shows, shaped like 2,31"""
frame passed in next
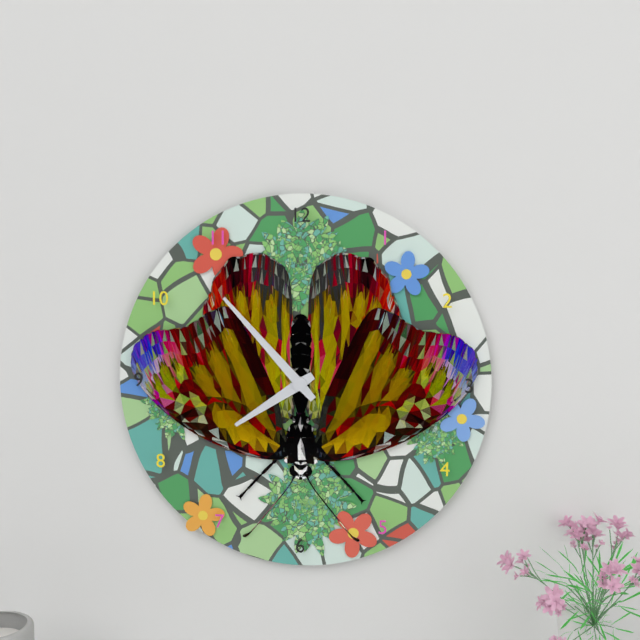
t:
7,53
